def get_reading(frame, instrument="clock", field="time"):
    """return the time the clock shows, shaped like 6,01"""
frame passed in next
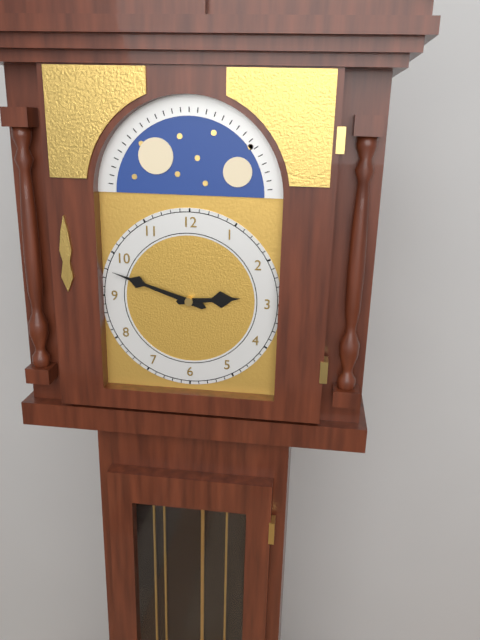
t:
2,48
